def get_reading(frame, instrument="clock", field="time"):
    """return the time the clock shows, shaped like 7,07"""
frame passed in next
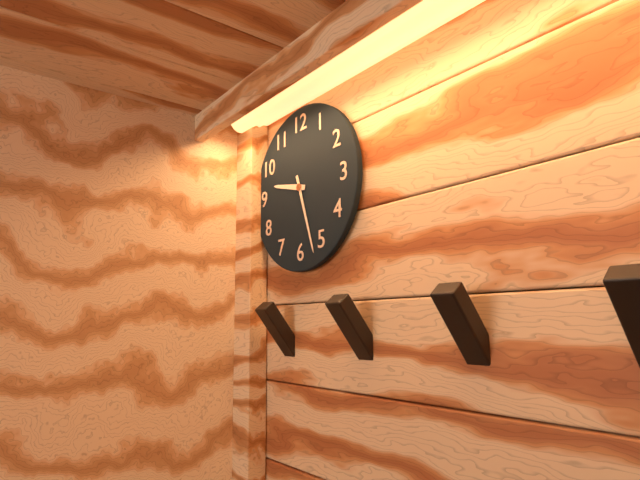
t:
9,27
